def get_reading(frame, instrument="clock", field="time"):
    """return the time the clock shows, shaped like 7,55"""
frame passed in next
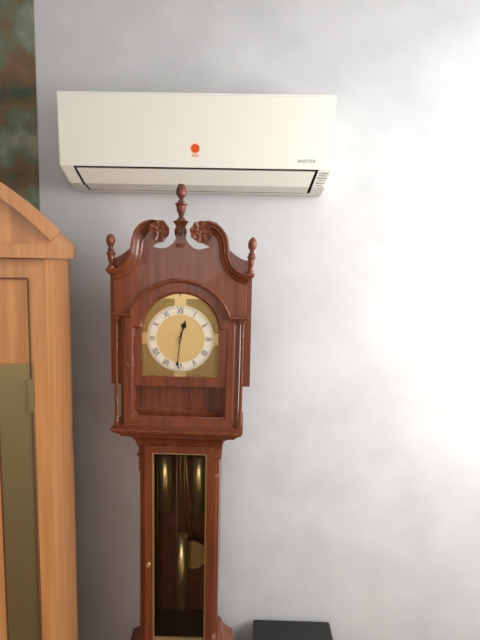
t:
12,31
